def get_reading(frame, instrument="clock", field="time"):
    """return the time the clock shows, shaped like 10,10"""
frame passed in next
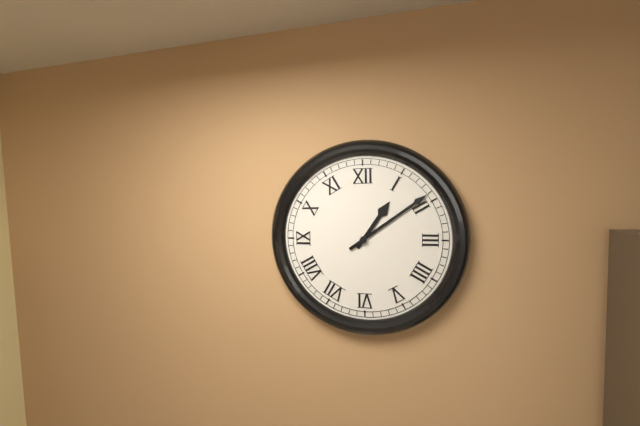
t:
1,09
